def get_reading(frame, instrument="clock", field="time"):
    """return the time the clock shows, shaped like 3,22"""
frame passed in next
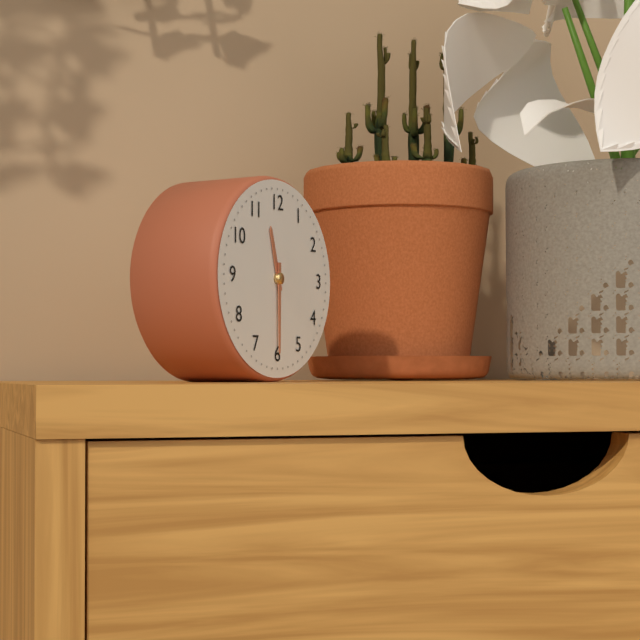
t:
11,30
